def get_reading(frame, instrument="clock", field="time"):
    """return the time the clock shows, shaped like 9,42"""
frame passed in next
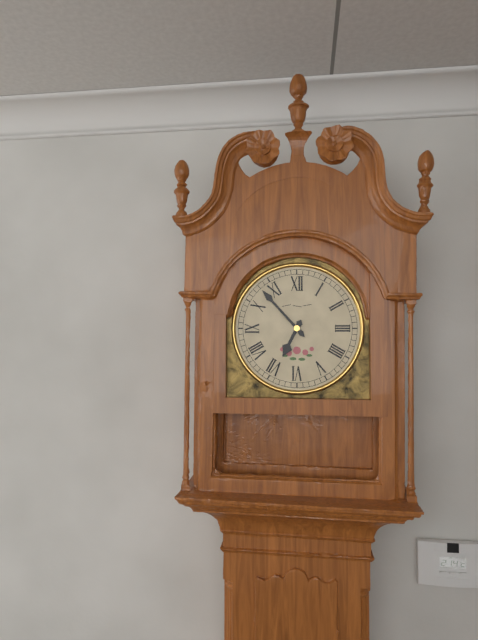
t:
6,53
